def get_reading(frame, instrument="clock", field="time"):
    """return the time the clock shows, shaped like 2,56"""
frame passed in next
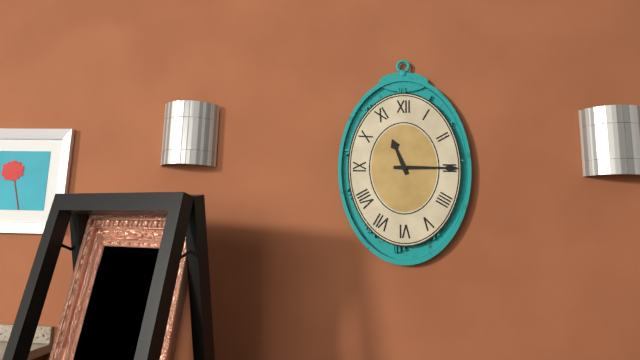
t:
11,15
